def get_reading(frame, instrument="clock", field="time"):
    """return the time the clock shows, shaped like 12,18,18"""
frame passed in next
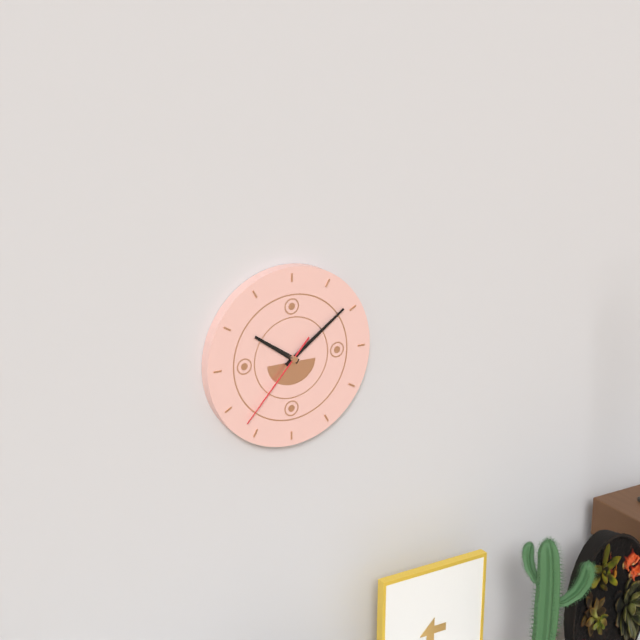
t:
10,09,37
